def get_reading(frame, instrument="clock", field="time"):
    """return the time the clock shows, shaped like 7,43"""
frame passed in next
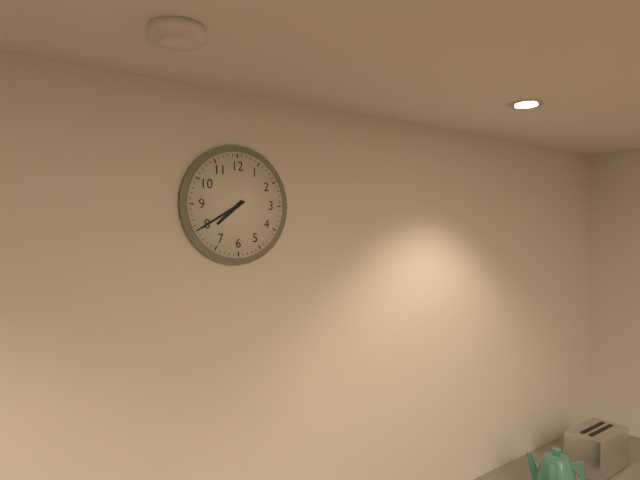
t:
7,40
